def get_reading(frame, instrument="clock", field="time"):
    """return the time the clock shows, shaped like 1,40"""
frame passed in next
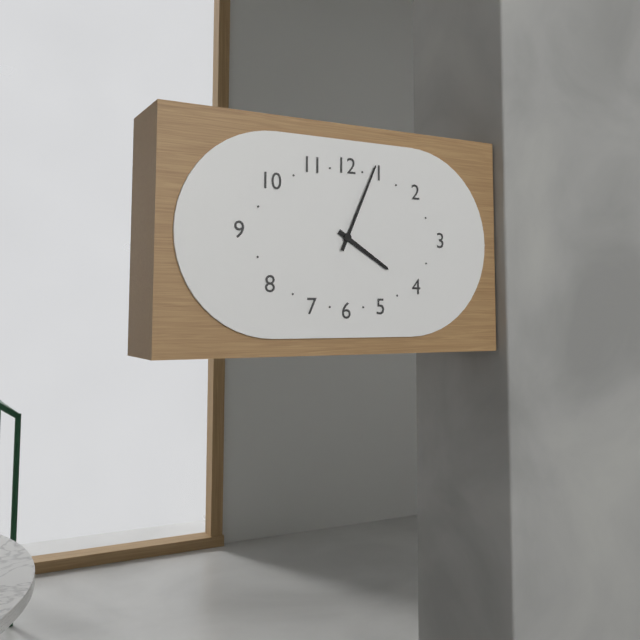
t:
4,04
